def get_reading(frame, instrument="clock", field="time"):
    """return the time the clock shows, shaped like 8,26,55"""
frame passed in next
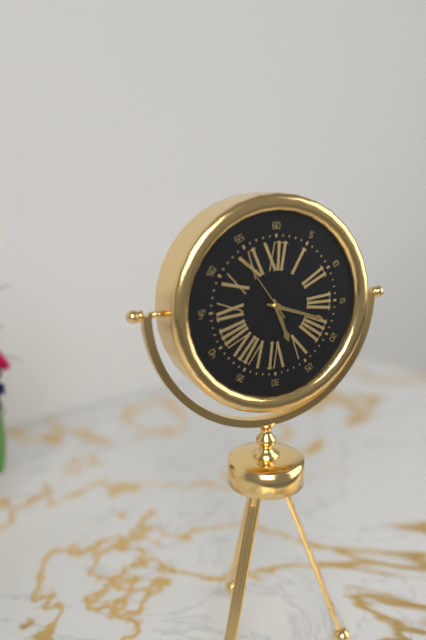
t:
5,18,54
